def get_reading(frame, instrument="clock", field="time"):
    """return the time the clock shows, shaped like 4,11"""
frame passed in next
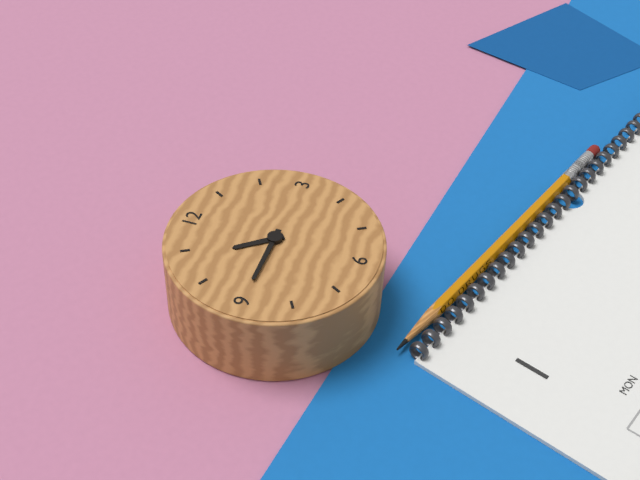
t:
10,45
